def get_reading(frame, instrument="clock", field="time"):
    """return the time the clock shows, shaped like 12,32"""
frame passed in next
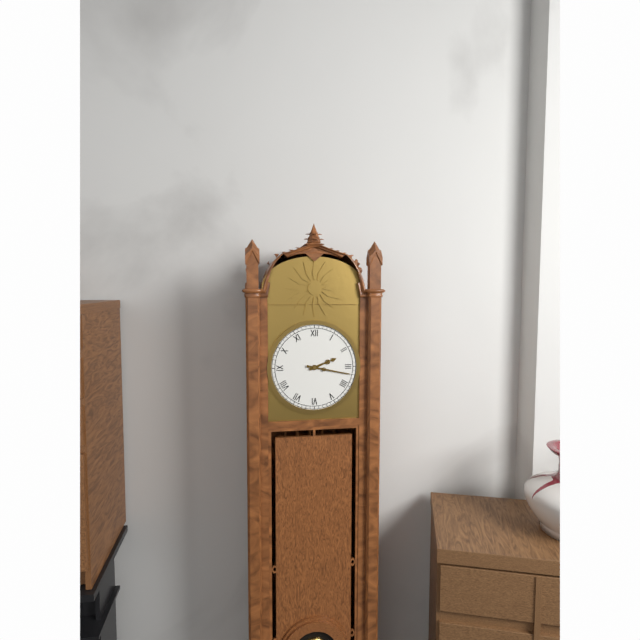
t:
2,17
